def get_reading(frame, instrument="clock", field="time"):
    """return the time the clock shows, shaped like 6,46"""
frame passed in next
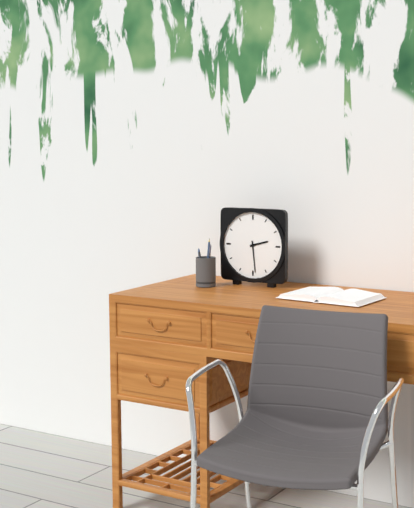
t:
2,29
